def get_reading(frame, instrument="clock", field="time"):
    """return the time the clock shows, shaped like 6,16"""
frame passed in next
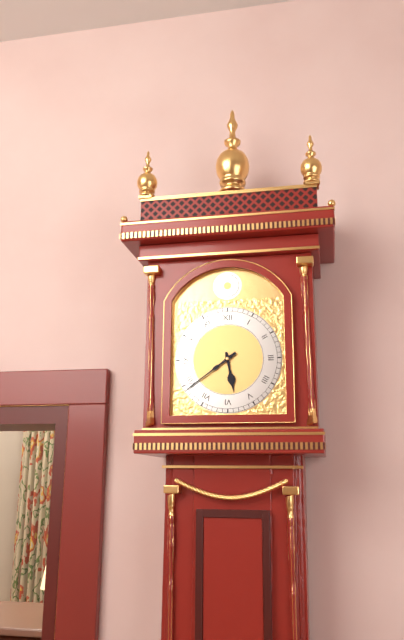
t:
5,39
